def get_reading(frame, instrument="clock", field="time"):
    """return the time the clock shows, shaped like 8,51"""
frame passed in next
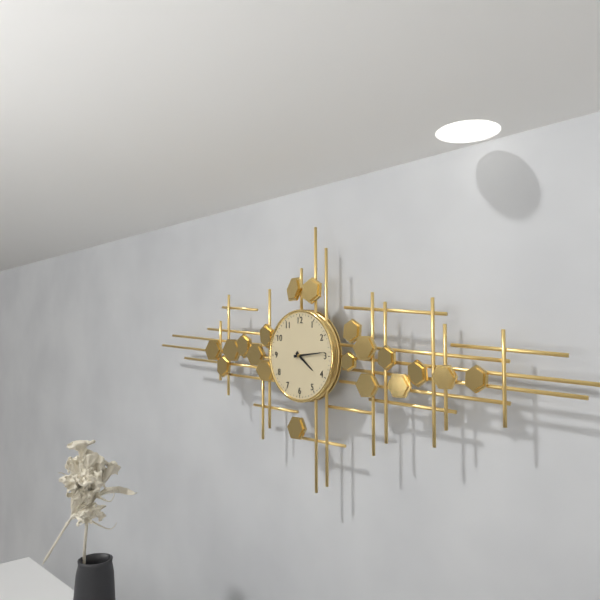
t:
4,14
